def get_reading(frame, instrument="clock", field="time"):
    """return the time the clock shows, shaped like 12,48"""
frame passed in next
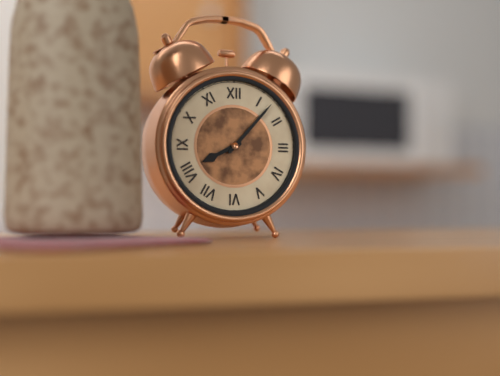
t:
8,07
